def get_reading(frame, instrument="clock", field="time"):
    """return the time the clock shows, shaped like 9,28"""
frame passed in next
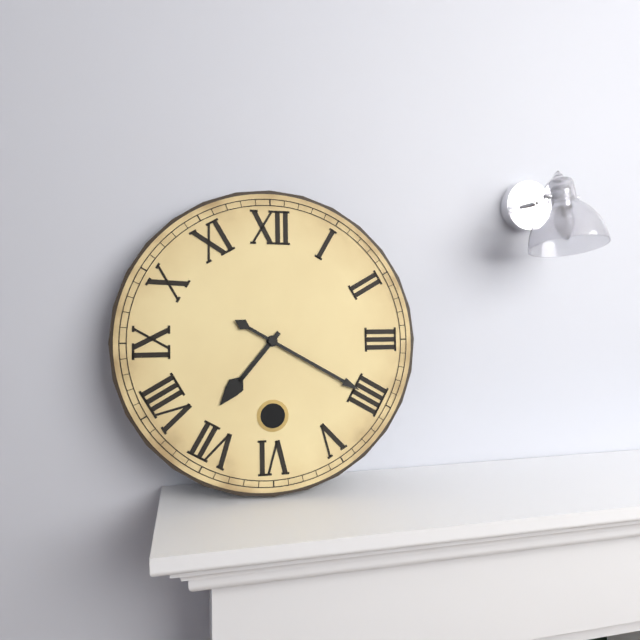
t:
7,20
